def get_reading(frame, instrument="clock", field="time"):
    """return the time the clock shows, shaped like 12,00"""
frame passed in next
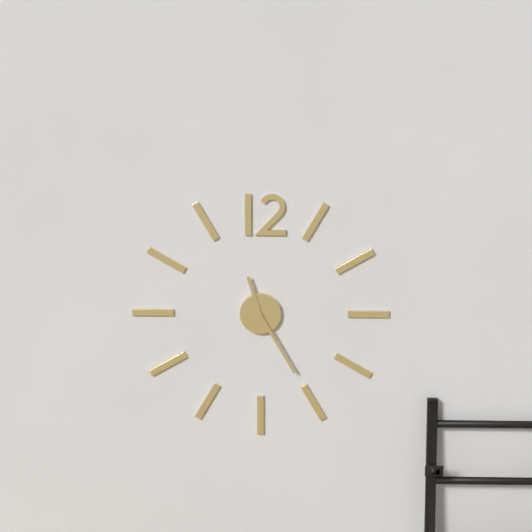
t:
11,25
